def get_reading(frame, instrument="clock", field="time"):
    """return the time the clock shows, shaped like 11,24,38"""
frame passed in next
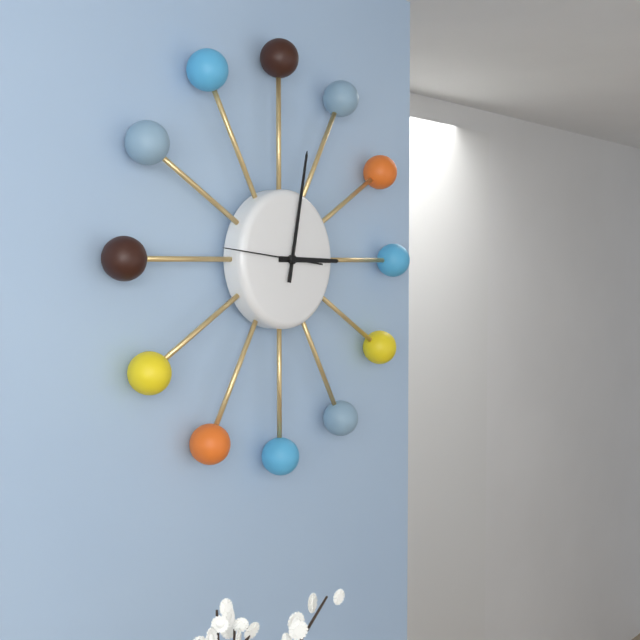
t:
3,02,46
